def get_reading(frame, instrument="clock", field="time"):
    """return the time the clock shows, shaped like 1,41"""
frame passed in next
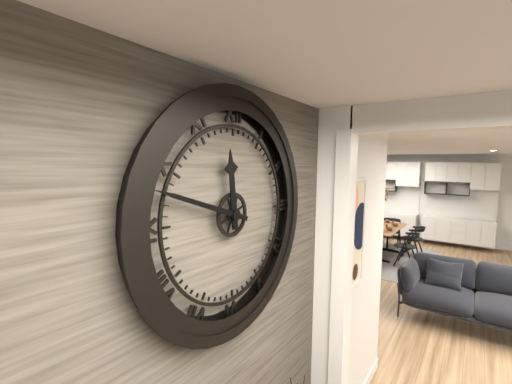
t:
11,48
